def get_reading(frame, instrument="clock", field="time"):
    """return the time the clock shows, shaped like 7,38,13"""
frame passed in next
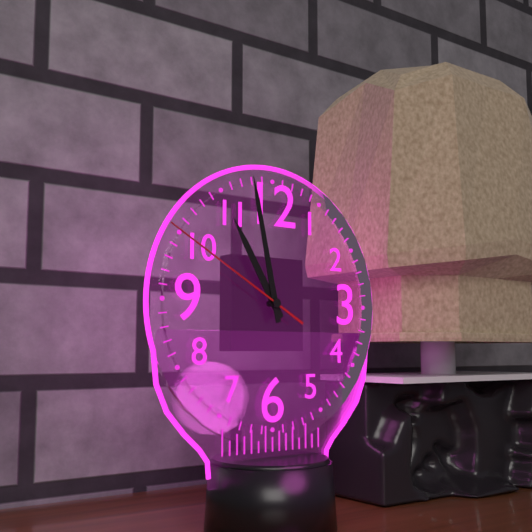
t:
10,58,50
